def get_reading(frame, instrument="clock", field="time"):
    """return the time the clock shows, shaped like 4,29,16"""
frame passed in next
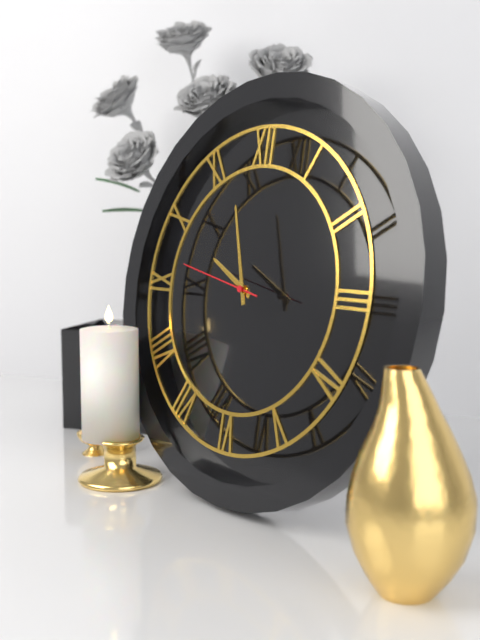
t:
9,57,47
